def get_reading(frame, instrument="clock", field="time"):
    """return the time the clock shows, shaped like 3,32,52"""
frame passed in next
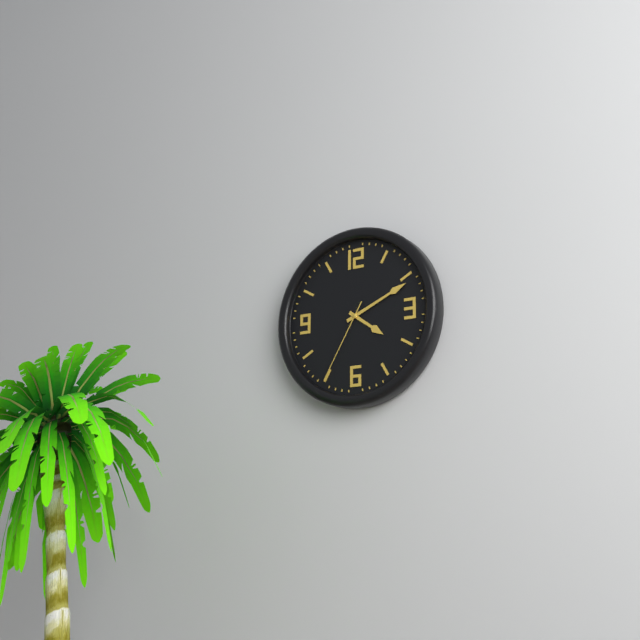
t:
4,11,35
